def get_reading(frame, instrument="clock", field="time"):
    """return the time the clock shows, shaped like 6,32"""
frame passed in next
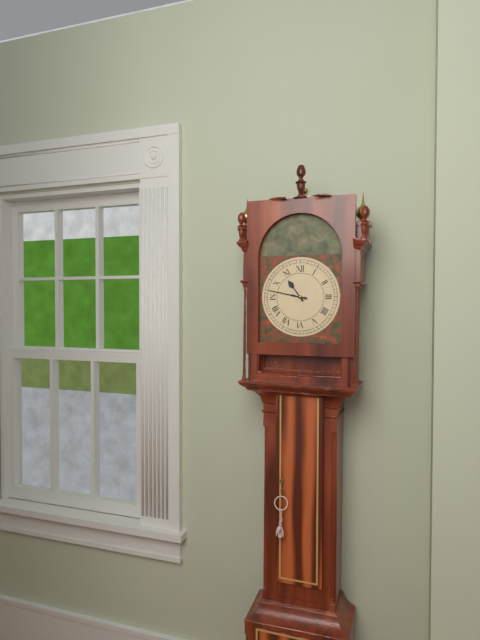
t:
10,47
